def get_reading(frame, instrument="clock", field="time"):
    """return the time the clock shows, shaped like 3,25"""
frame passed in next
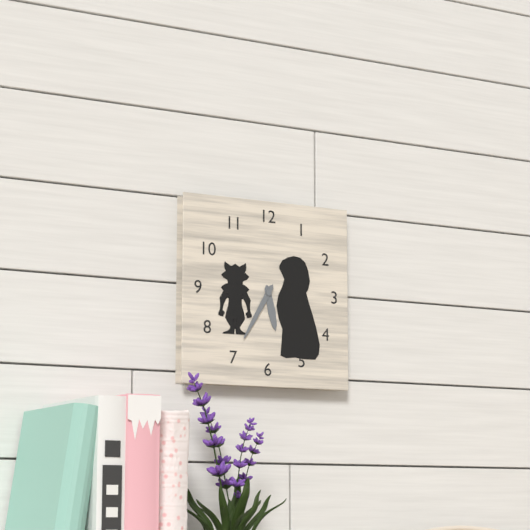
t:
5,35
